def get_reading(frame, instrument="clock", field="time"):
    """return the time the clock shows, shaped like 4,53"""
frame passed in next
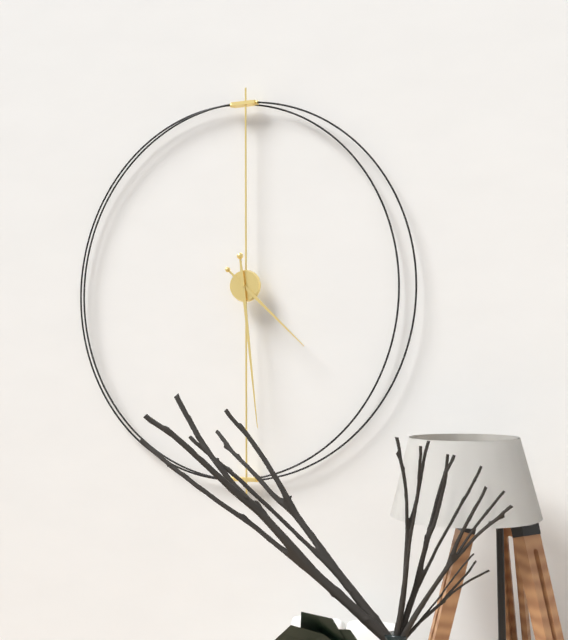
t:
4,29
